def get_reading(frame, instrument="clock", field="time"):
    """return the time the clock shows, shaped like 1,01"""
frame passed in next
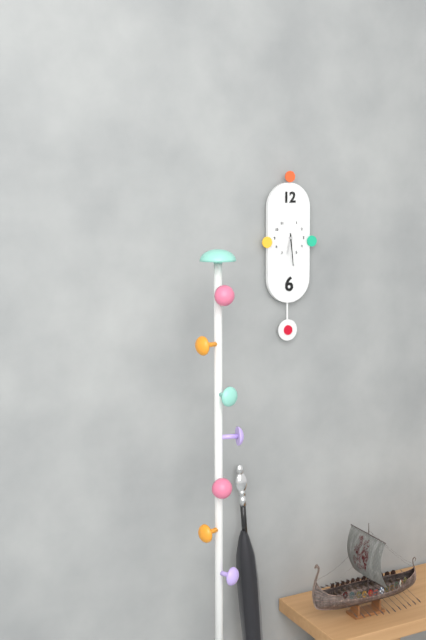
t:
6,29
